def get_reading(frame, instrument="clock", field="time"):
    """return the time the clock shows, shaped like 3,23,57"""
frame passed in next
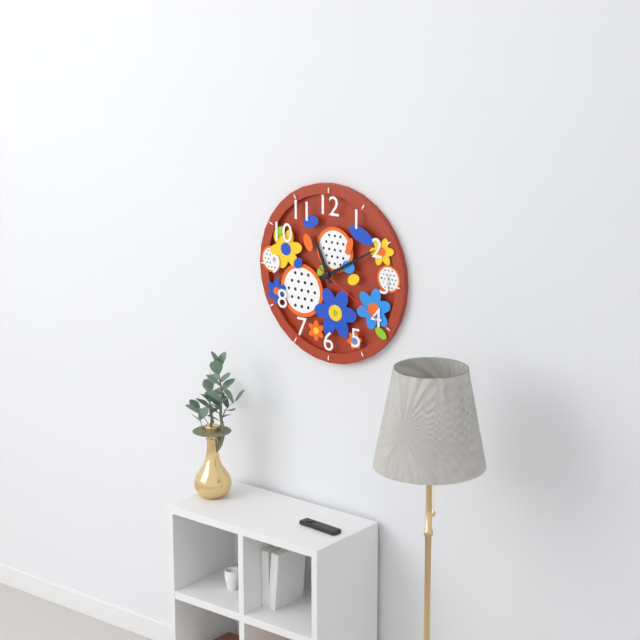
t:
11,10,20
